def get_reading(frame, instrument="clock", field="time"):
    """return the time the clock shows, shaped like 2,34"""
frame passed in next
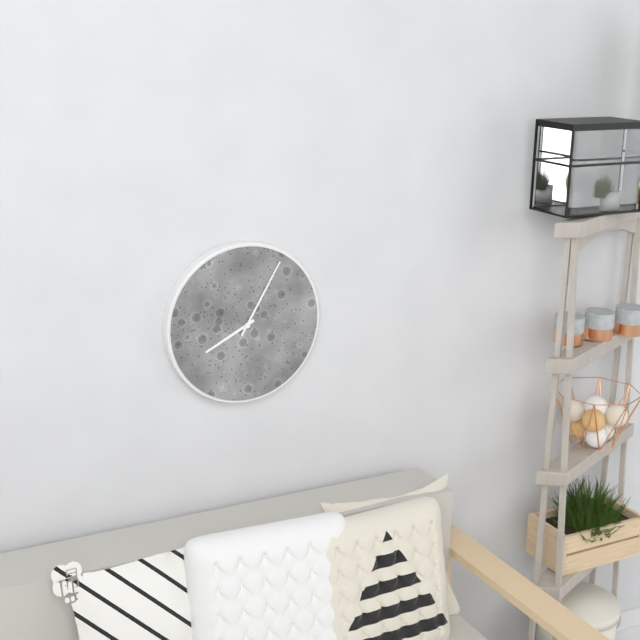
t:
8,05
